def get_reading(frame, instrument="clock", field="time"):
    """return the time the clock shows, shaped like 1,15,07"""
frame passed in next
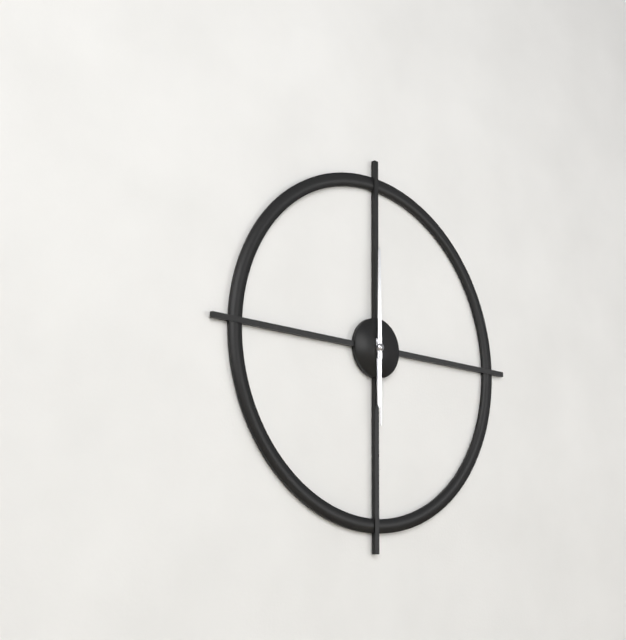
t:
6,00,30
